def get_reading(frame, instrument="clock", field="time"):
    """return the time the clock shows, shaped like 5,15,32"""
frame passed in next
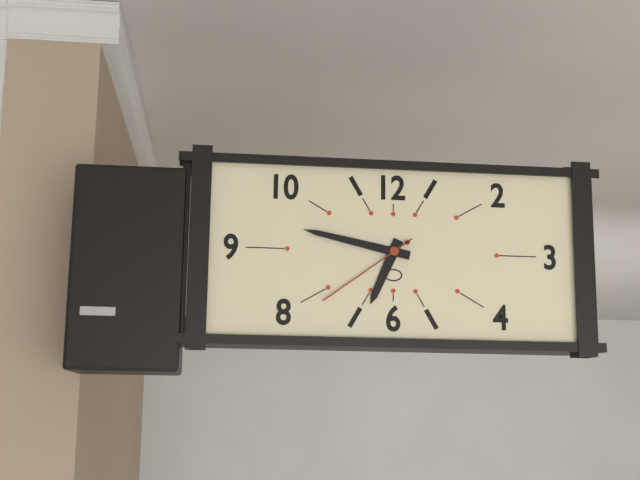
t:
6,47,39
